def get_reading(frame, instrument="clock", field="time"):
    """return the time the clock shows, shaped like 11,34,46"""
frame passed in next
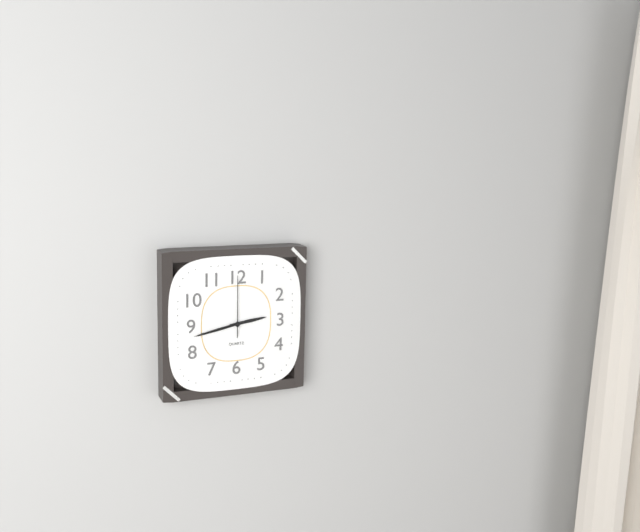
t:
2,43,00
